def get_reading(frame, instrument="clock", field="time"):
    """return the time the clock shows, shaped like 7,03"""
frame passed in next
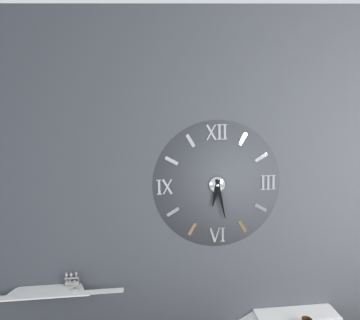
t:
6,28
